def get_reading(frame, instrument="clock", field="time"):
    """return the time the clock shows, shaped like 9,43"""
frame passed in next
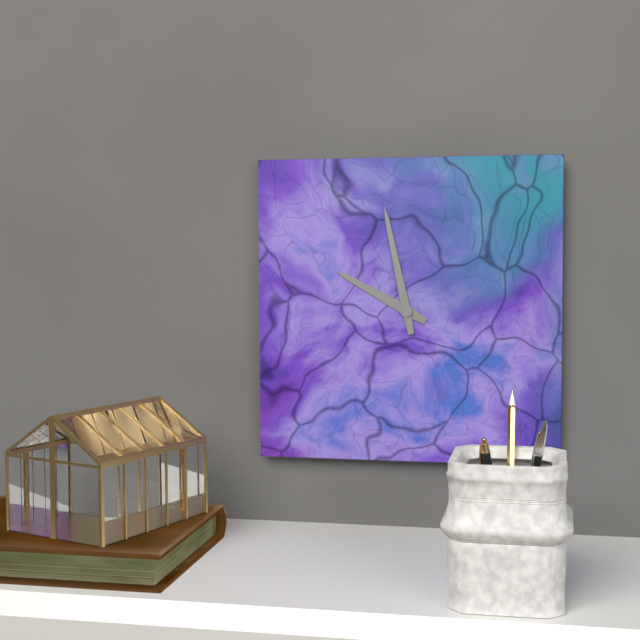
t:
9,58
